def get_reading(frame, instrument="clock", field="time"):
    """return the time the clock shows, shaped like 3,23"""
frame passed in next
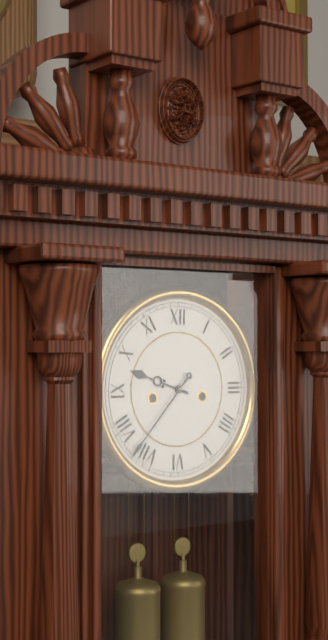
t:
9,37
